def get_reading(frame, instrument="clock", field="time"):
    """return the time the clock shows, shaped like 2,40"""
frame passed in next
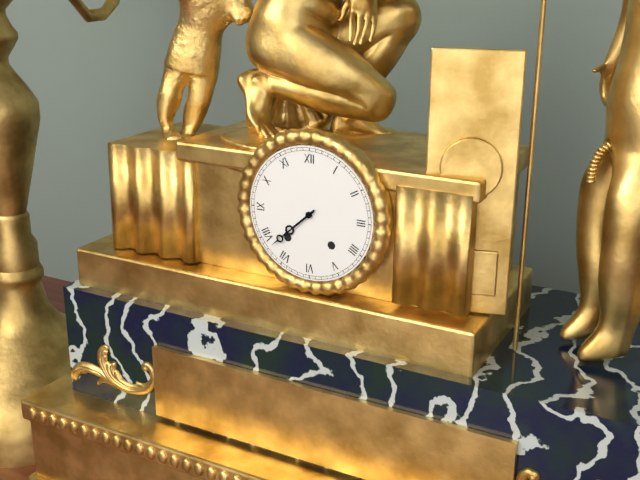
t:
7,38
